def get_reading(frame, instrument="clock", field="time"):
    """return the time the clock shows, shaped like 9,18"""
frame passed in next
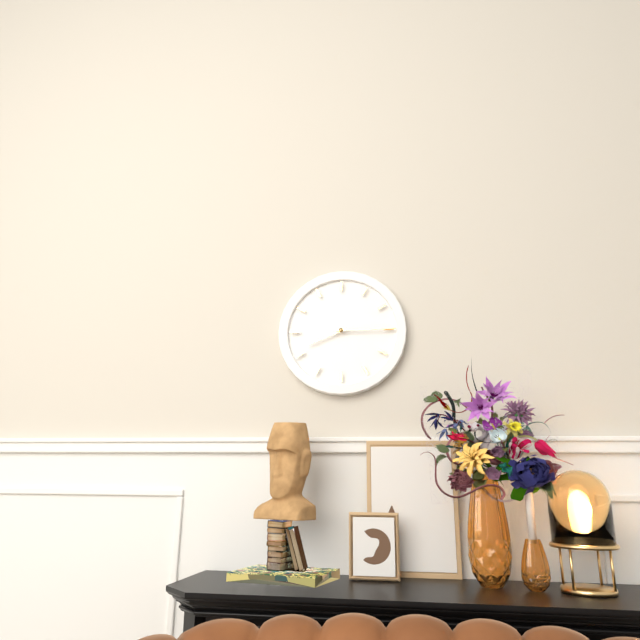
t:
8,15
